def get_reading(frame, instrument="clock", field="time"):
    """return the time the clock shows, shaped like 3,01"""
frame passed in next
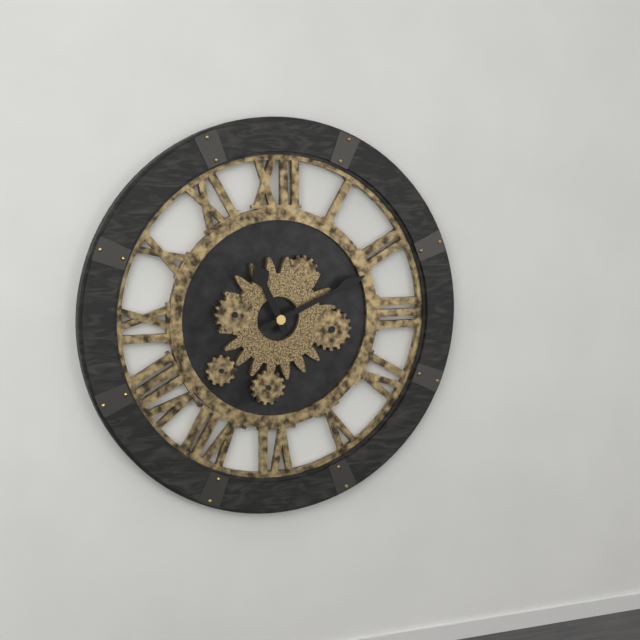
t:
11,11
